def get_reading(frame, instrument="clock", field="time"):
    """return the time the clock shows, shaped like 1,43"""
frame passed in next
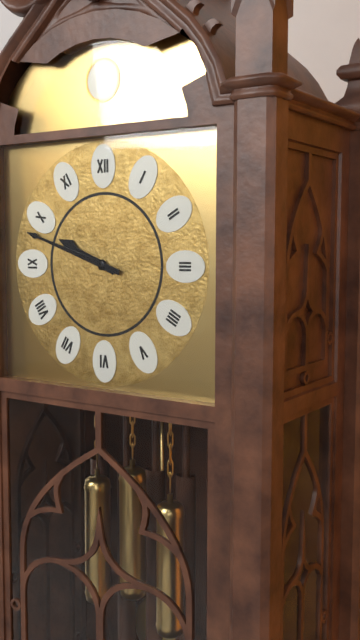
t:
9,48
